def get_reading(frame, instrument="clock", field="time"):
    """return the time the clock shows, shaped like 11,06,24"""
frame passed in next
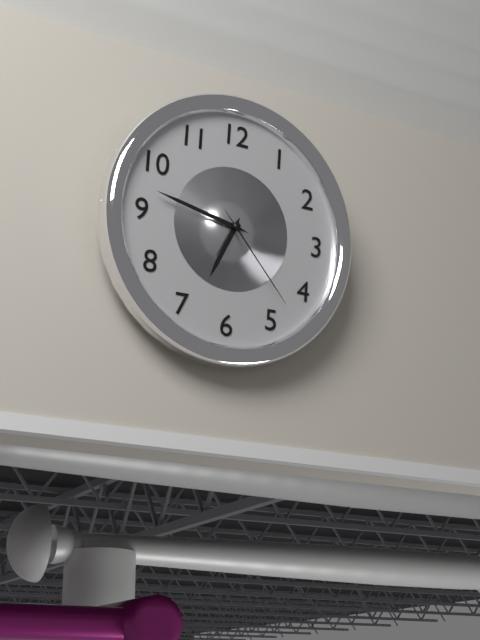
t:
6,47,23
